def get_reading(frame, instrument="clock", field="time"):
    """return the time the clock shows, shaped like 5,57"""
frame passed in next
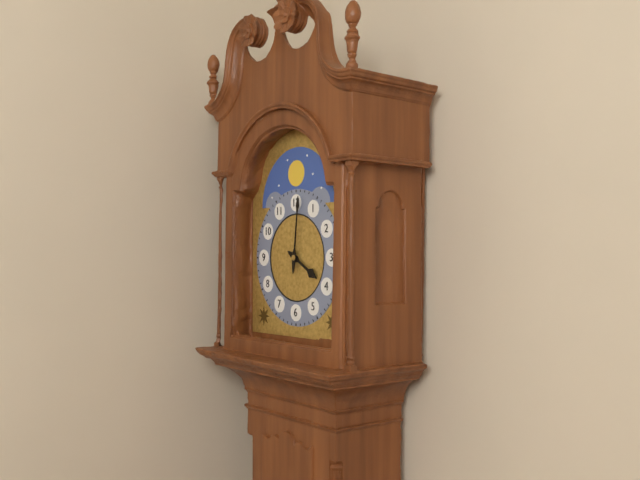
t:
4,01
